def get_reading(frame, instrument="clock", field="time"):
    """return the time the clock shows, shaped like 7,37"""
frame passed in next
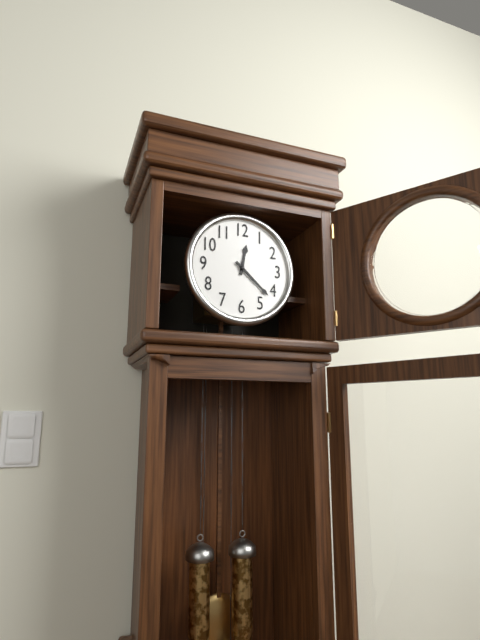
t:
12,22
